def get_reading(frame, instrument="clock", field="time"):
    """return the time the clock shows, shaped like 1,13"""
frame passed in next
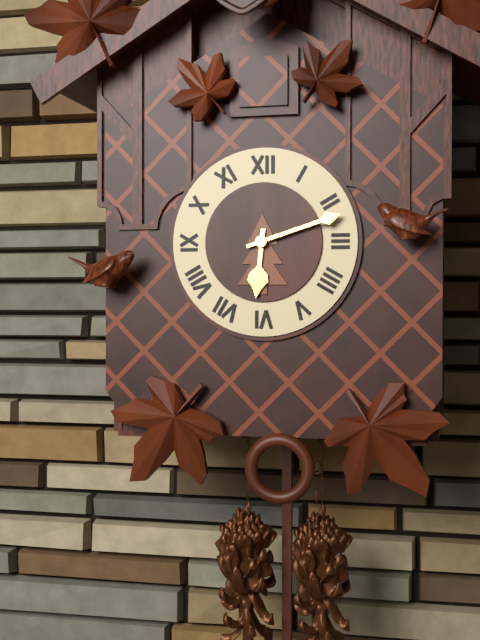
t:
6,12
